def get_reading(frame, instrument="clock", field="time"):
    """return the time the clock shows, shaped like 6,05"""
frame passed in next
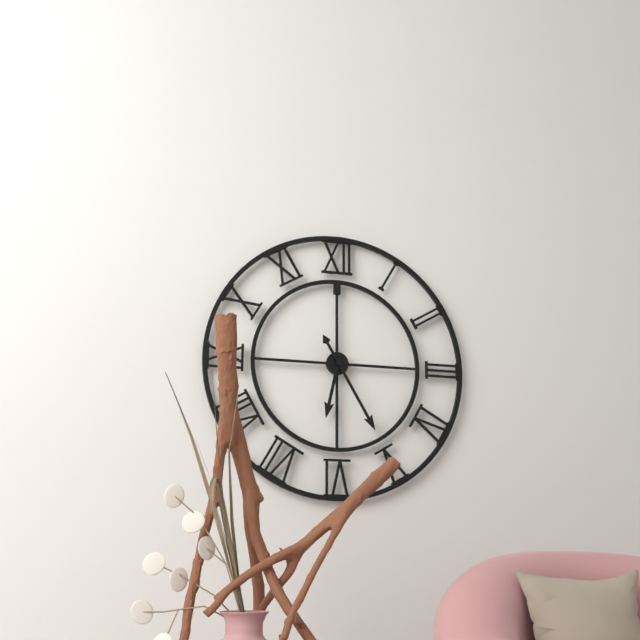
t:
6,25
